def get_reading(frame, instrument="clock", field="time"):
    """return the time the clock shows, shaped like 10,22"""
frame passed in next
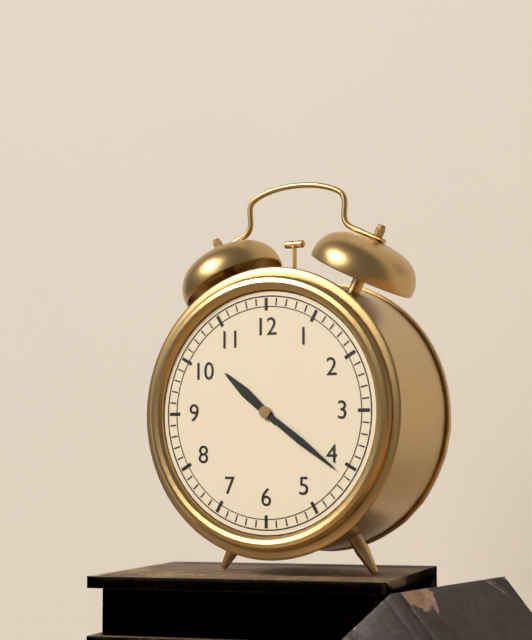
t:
10,21
